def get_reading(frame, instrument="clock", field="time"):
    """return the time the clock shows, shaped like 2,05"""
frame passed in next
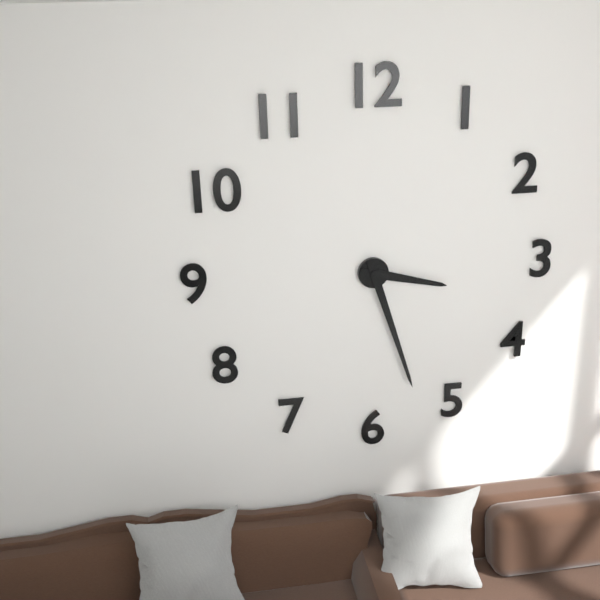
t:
3,27
